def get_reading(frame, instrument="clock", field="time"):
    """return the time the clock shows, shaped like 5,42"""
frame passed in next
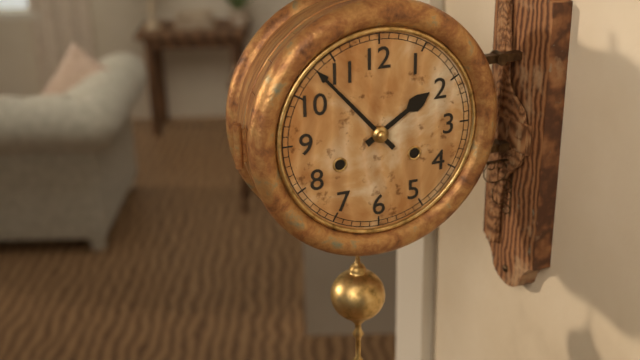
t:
1,53
